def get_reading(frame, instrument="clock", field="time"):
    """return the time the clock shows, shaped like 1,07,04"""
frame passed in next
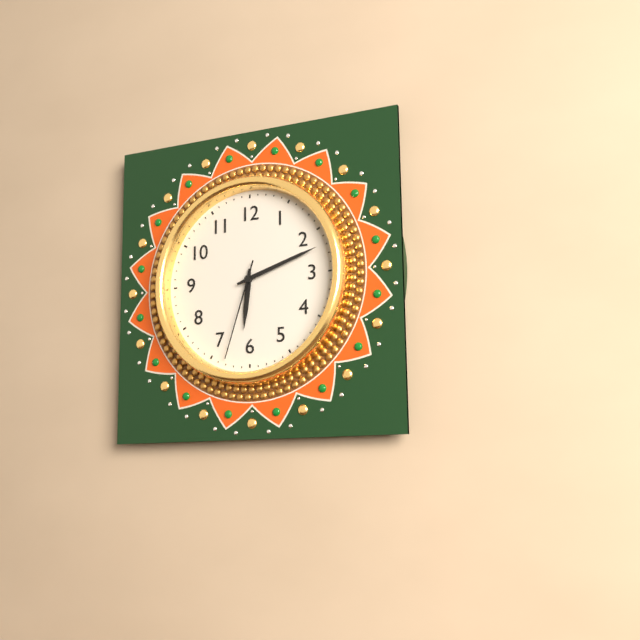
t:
6,12,33
